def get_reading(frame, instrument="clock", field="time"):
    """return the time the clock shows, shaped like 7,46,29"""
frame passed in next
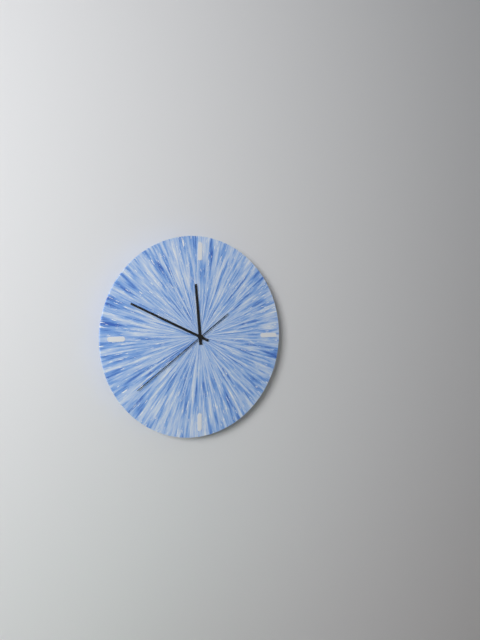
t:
11,49,39
